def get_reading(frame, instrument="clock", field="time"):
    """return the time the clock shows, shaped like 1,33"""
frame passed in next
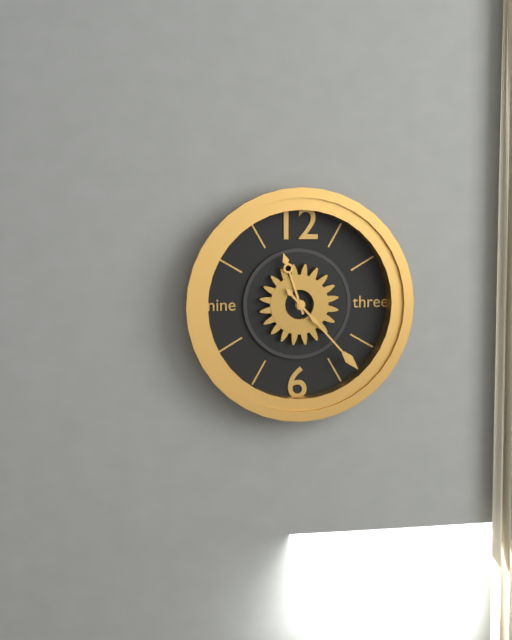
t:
11,23
